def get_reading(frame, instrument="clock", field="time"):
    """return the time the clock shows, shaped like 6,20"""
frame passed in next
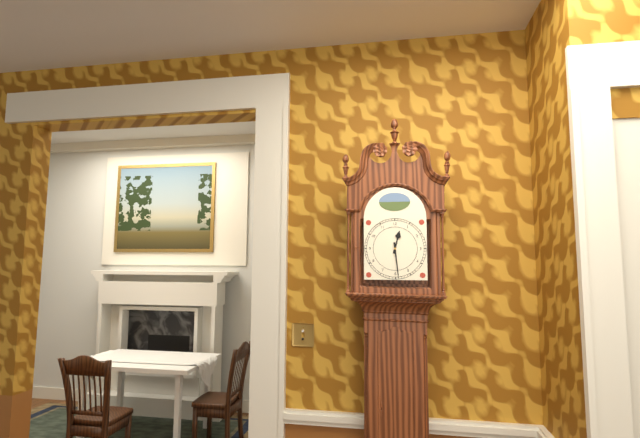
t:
12,29
